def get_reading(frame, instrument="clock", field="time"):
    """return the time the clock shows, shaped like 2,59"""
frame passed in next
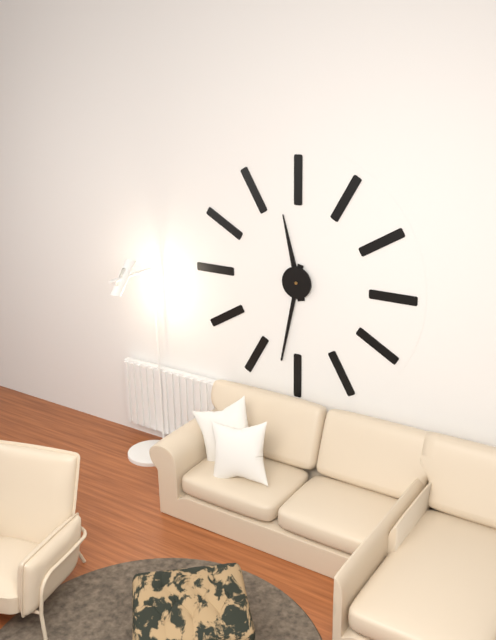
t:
11,32
